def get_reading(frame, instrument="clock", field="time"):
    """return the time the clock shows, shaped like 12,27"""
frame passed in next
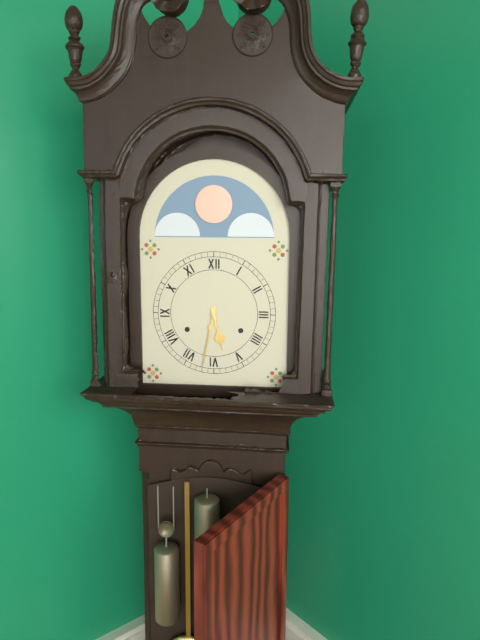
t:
5,32
